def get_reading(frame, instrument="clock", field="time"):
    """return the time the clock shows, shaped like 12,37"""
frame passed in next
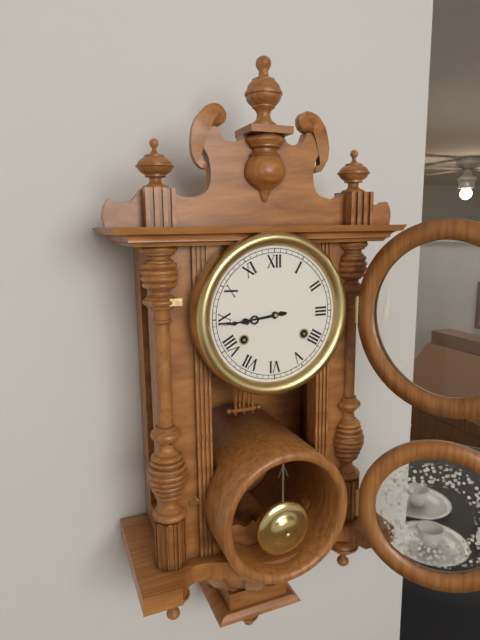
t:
8,44
